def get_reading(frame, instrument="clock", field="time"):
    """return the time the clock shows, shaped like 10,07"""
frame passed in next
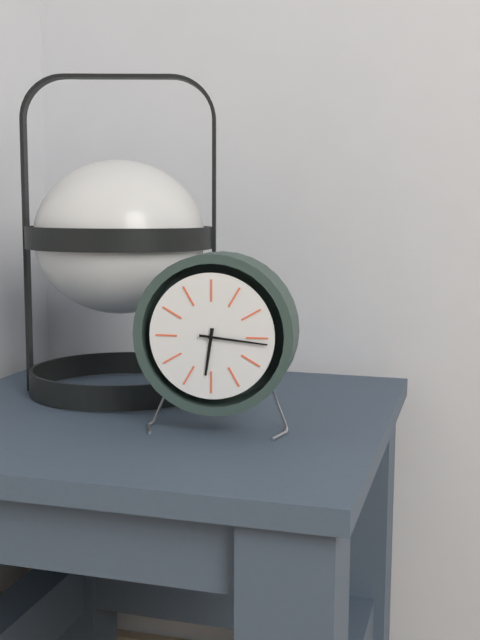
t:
6,16
